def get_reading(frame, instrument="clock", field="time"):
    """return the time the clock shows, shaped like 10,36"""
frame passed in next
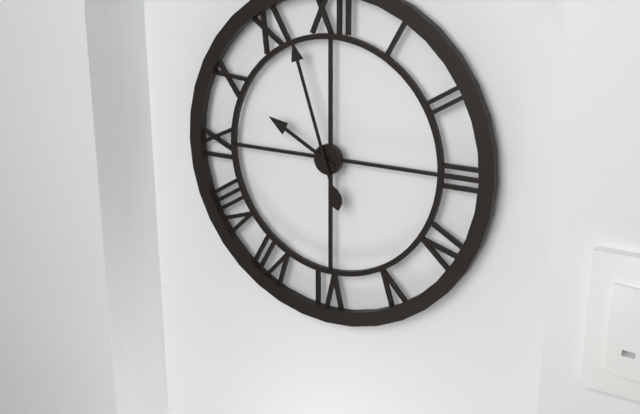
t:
9,57
